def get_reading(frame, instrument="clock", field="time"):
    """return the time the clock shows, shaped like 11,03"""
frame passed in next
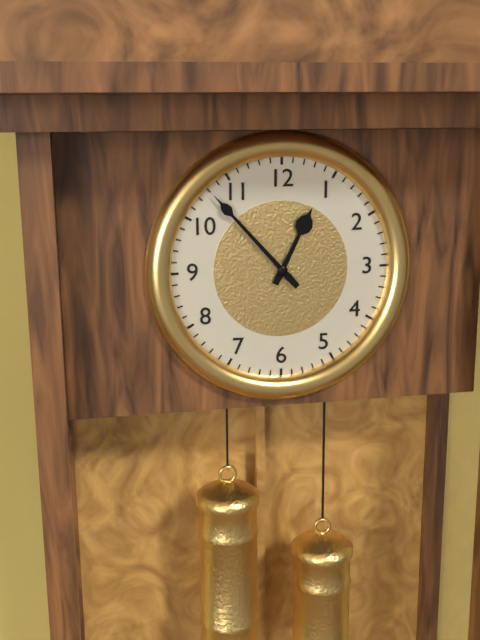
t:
12,53
